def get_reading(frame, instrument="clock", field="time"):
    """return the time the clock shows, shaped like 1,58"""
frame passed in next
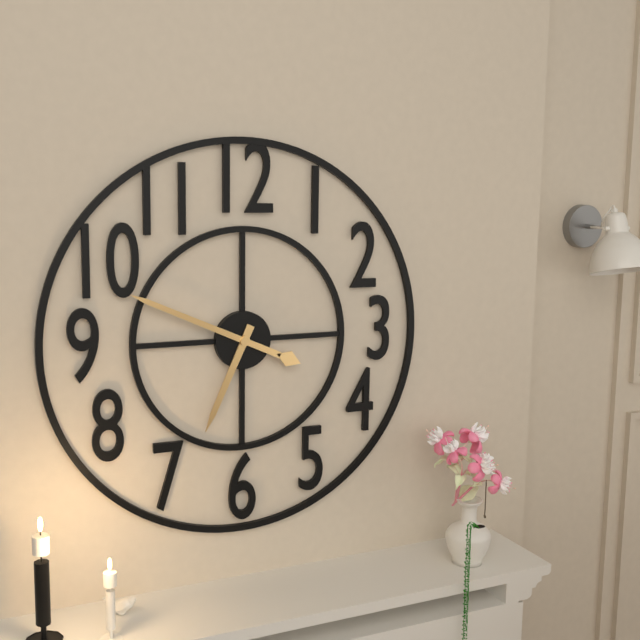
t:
6,49
